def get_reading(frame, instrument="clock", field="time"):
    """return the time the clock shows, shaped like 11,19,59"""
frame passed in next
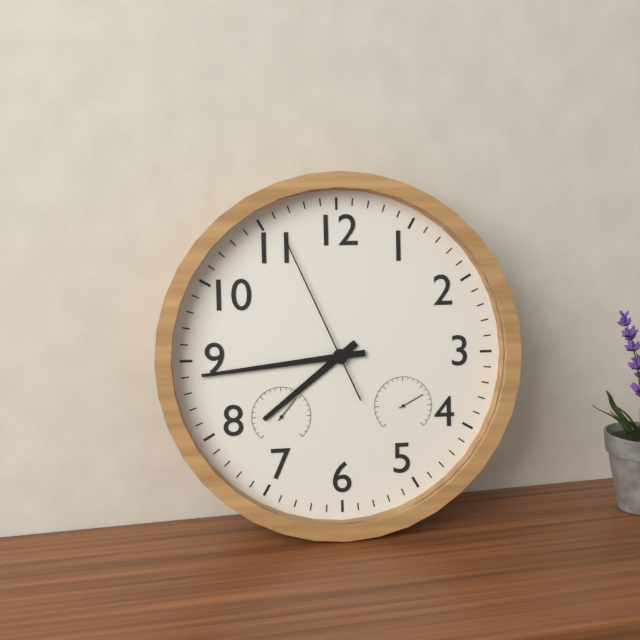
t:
7,44,56
